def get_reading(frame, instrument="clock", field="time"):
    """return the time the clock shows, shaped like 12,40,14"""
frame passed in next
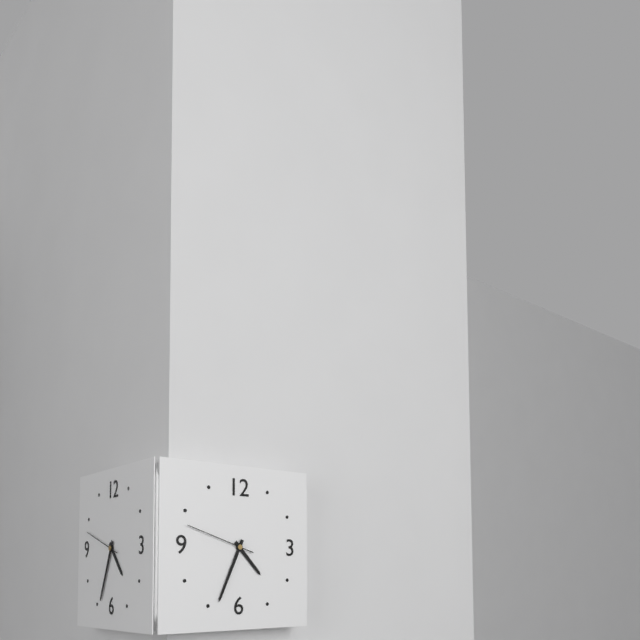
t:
4,34,48
